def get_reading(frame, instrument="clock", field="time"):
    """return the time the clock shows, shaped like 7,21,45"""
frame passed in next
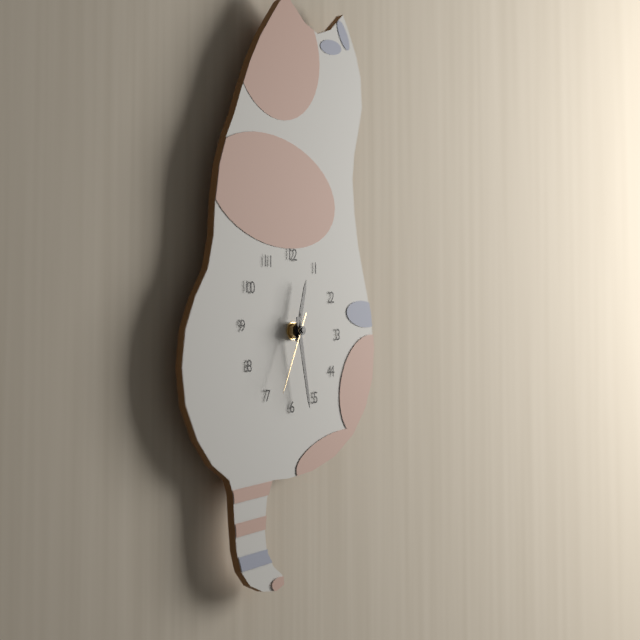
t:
12,28,34
